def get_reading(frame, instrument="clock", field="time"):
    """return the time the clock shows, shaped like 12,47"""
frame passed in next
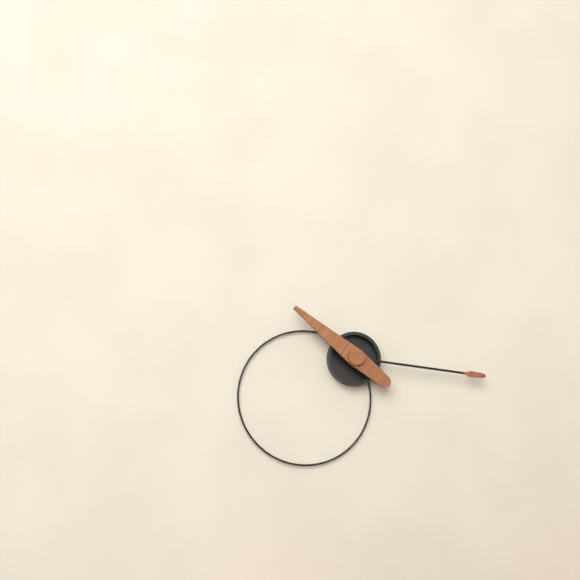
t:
10,16
